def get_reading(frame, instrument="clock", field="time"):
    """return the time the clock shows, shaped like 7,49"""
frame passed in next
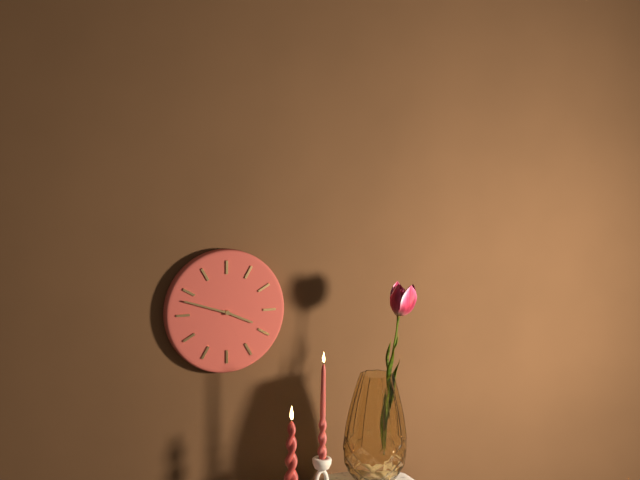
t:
3,48
